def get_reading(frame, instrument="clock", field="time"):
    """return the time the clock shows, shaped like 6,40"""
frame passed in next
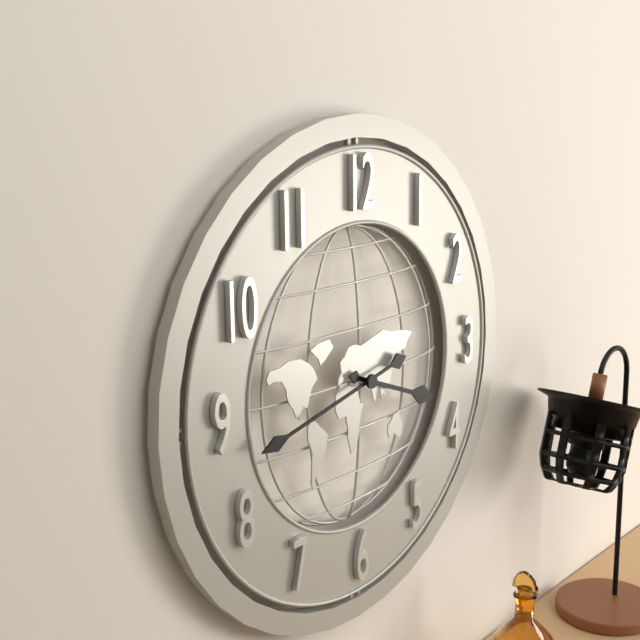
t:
3,43
